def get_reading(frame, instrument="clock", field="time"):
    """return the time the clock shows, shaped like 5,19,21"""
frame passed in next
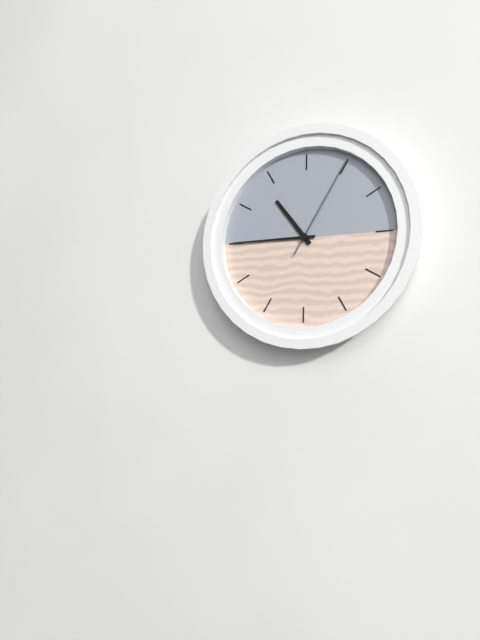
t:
10,45,05
